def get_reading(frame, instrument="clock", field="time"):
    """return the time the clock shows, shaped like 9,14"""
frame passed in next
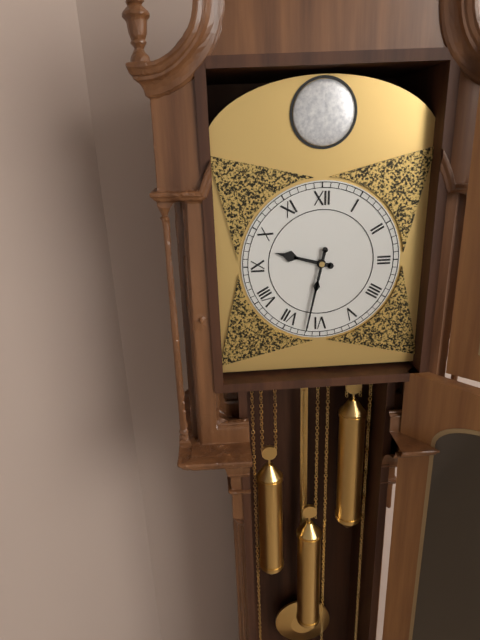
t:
9,32
